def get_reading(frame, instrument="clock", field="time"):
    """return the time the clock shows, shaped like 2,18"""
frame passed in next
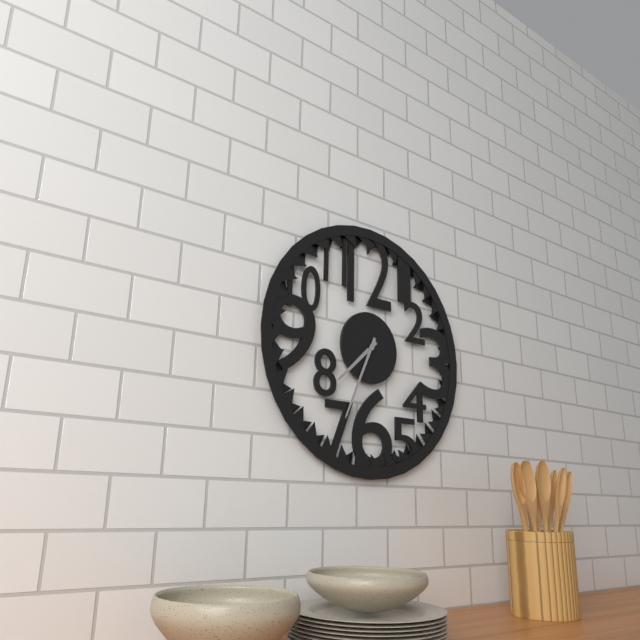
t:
7,34
